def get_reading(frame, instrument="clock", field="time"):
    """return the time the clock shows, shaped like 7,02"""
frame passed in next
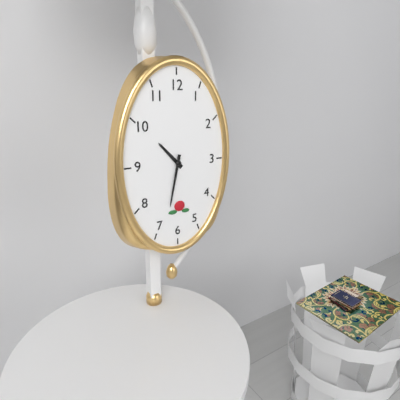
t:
10,32
